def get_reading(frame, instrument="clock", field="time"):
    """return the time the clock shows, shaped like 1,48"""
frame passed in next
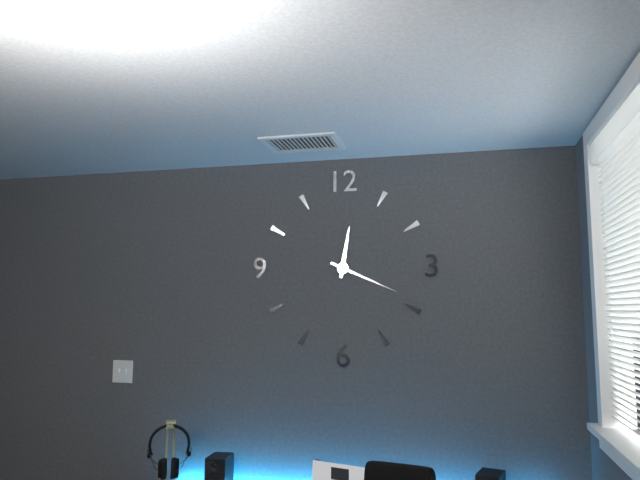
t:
12,19
